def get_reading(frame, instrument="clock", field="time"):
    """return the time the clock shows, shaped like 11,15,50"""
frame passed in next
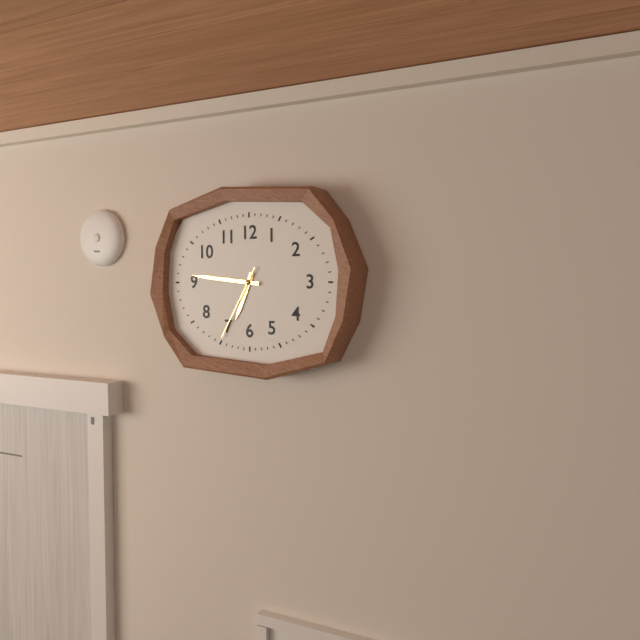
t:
6,46,35
